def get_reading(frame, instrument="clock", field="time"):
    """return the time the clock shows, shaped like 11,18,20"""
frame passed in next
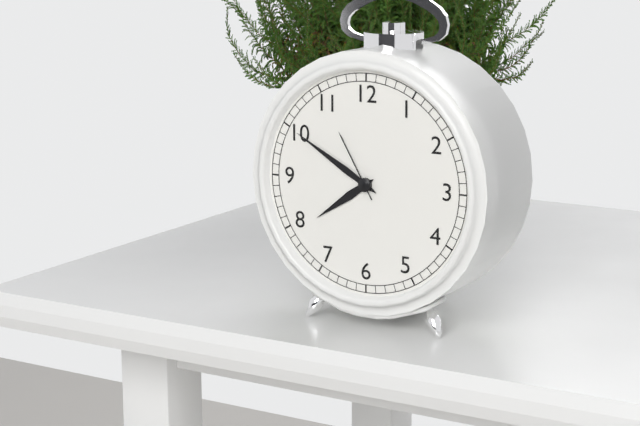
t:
7,50,55
